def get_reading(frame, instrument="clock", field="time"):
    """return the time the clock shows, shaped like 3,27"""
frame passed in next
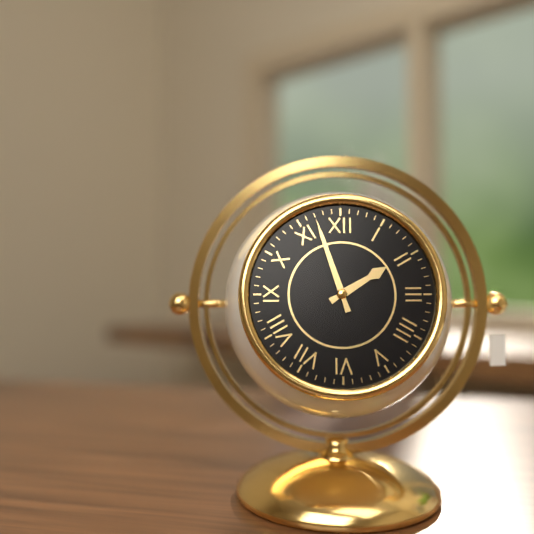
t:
1,57
